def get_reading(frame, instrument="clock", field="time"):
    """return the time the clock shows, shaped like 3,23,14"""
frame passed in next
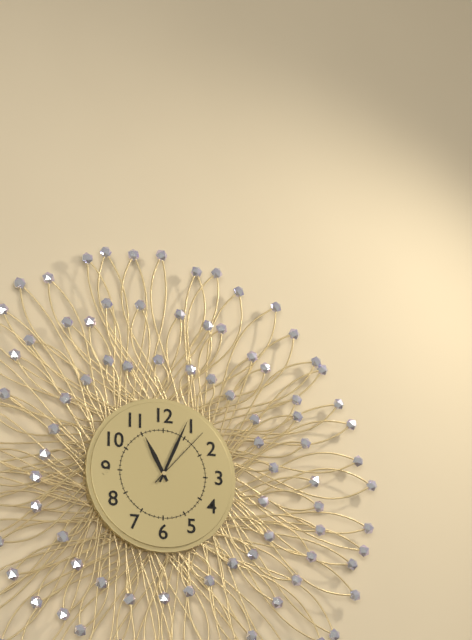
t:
11,04,07
